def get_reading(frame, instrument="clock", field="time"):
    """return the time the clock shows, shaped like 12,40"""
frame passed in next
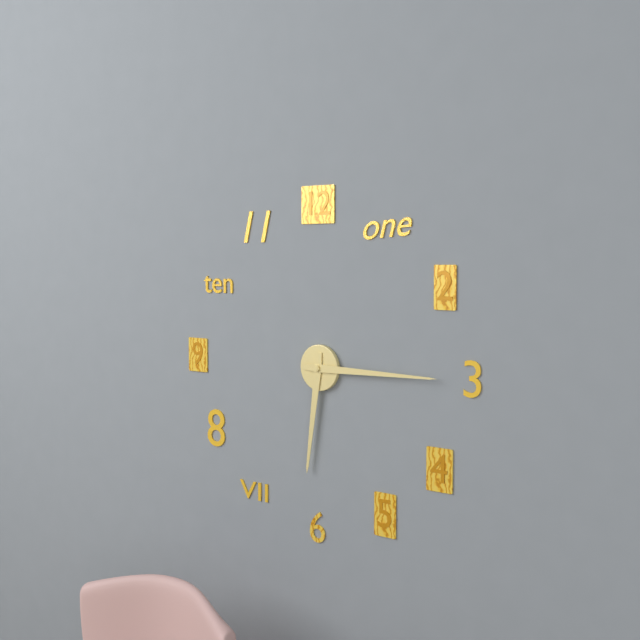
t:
6,15
